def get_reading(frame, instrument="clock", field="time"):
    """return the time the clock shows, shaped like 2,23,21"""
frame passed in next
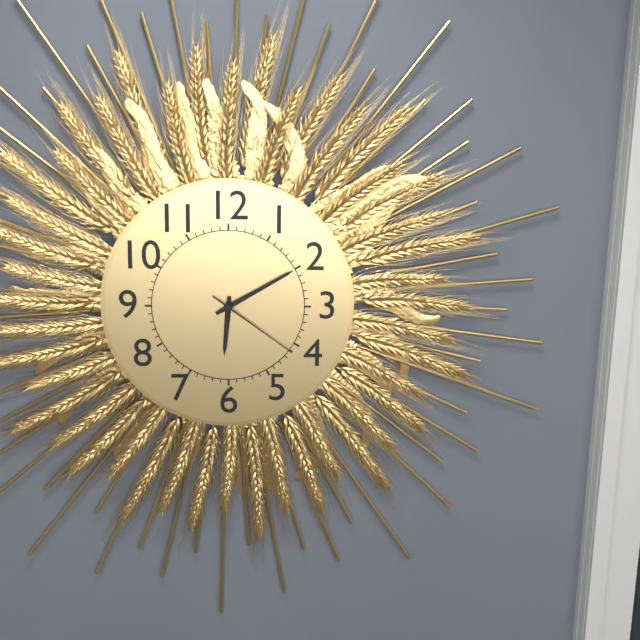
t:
6,10,21
